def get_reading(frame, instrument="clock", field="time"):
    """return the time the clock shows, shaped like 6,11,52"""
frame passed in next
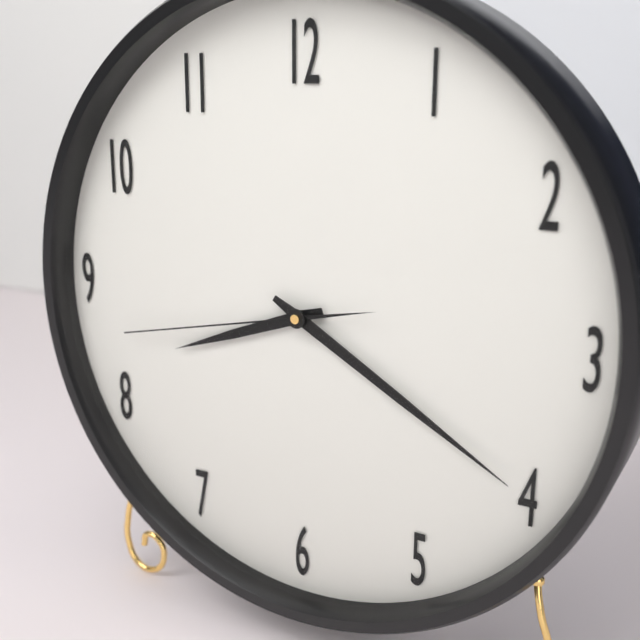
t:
8,20,43
